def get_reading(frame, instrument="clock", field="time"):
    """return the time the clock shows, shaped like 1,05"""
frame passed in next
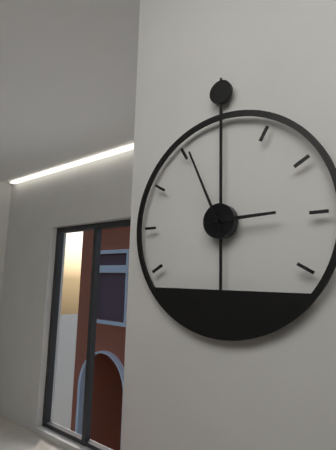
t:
2,56
